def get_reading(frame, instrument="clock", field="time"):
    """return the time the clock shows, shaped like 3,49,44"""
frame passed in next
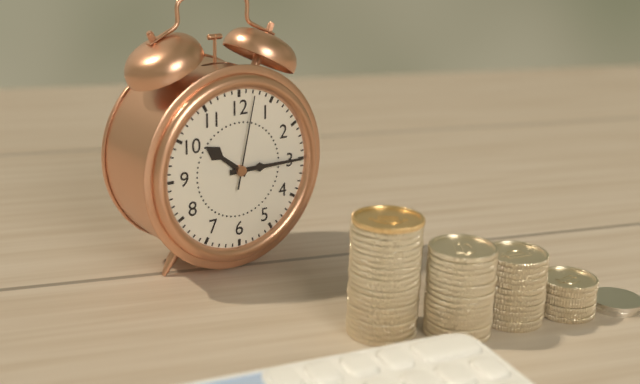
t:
10,15,02
